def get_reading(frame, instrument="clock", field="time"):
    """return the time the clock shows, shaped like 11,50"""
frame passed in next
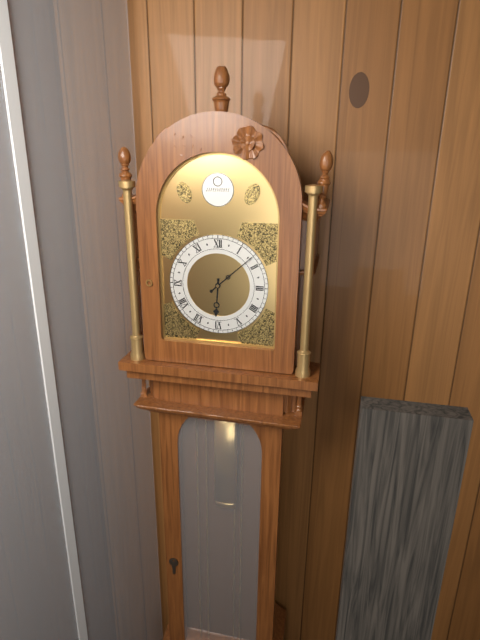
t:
6,08
